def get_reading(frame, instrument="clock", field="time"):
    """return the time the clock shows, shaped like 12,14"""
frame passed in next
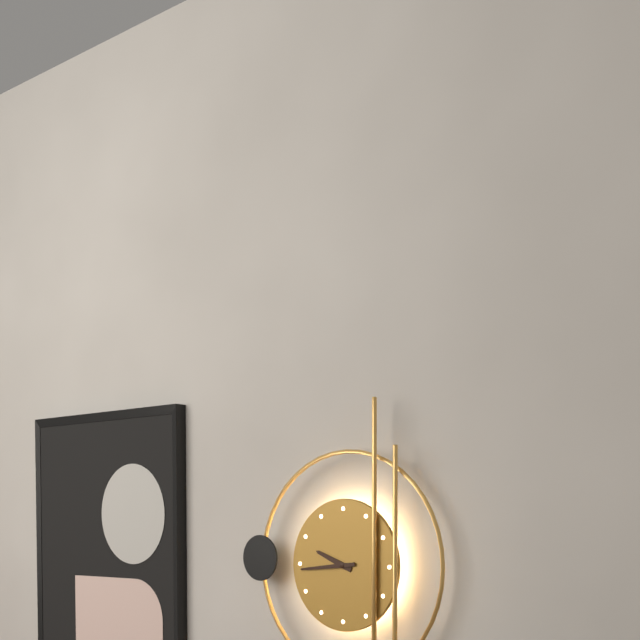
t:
9,44
